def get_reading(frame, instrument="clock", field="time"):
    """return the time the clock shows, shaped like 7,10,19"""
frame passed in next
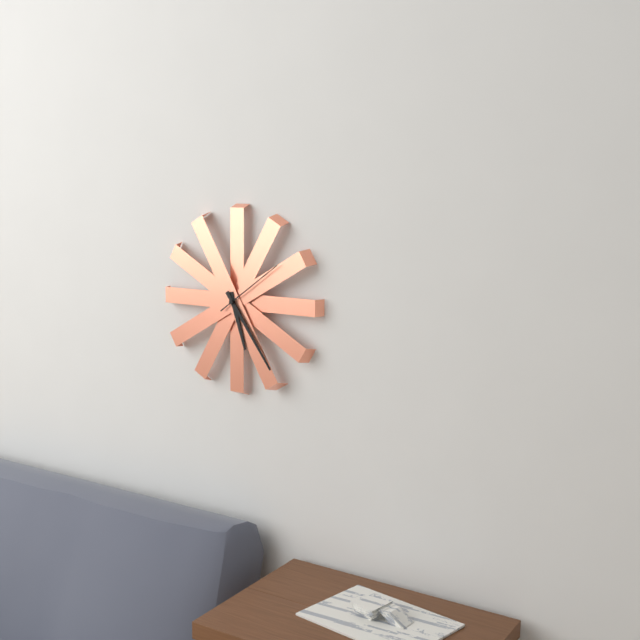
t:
5,24,09
